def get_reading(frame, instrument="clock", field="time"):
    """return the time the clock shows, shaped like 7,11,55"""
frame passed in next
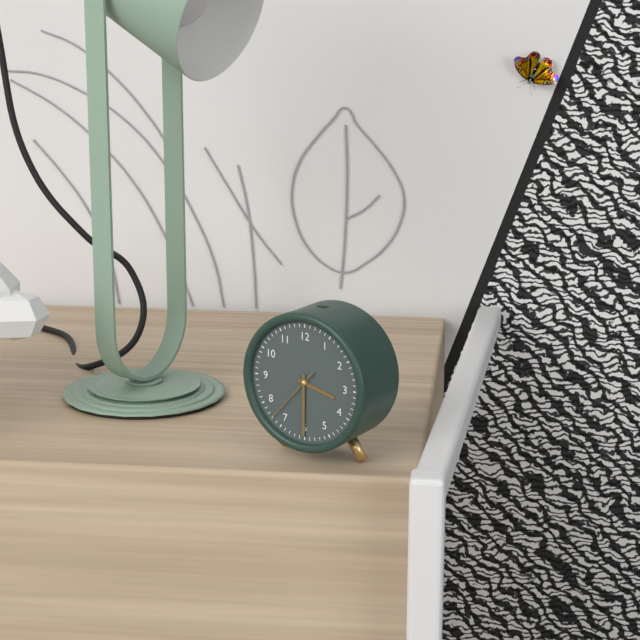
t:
3,30,37
